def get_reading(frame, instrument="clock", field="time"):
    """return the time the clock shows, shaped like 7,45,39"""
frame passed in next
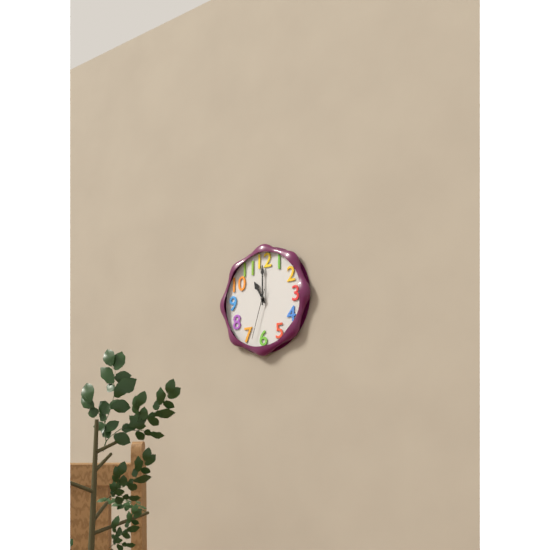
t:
11,00,33
